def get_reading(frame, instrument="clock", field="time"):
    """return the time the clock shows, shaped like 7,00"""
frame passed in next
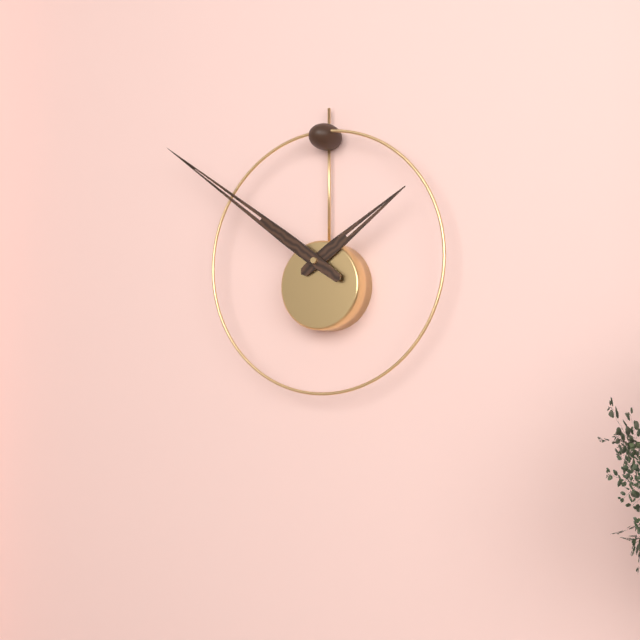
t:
1,51
